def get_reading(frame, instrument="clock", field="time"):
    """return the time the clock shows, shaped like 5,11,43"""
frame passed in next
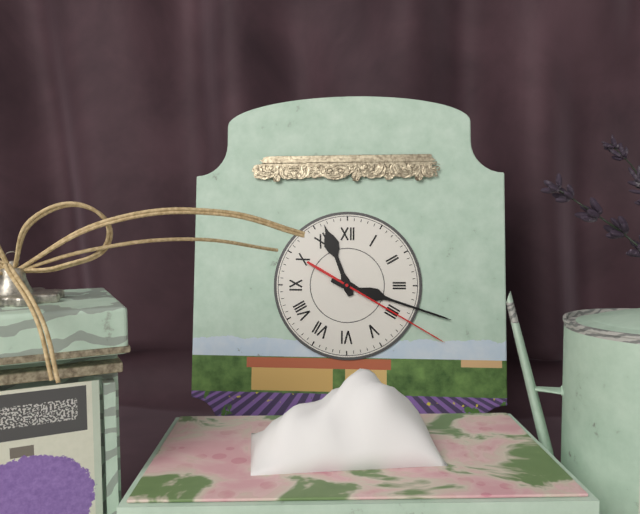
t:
11,18,20
